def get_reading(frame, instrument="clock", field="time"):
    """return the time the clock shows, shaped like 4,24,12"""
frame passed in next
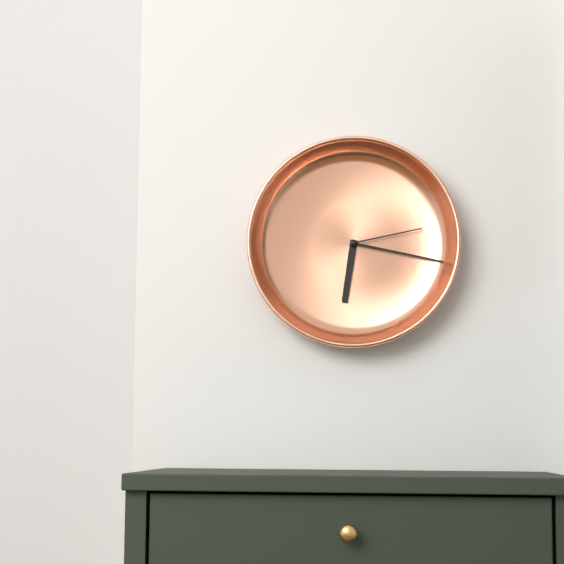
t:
6,17,13
